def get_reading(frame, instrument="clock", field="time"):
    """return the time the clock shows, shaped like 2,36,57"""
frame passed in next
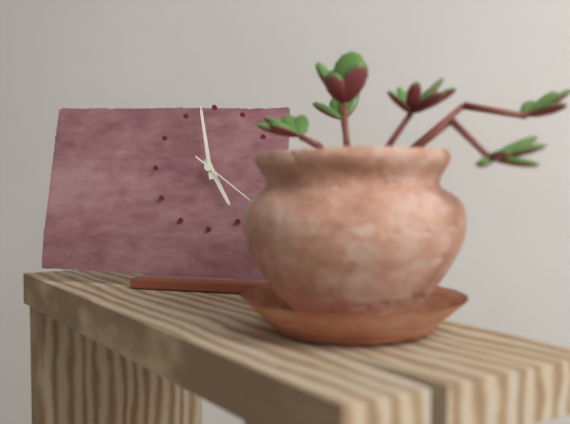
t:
4,58,21
